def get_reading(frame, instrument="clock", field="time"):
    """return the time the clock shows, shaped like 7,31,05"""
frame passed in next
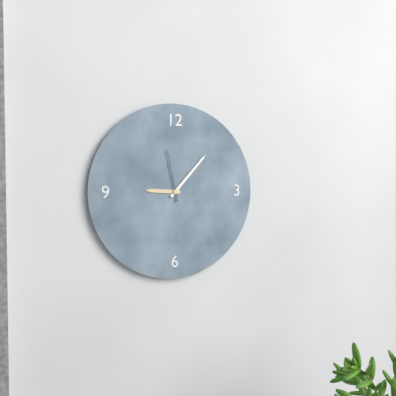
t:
9,07,58
